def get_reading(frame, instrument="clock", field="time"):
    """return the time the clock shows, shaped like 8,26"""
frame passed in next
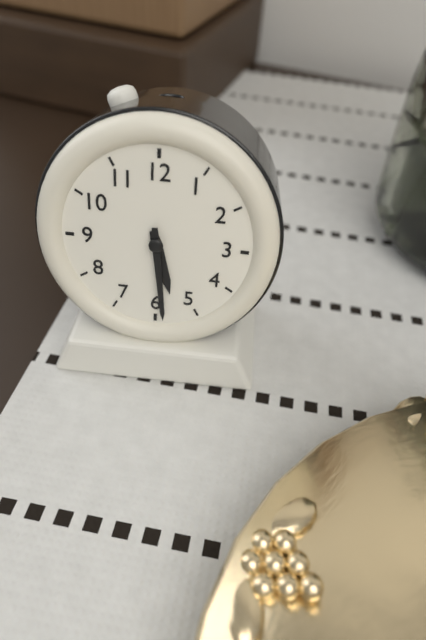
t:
5,29
